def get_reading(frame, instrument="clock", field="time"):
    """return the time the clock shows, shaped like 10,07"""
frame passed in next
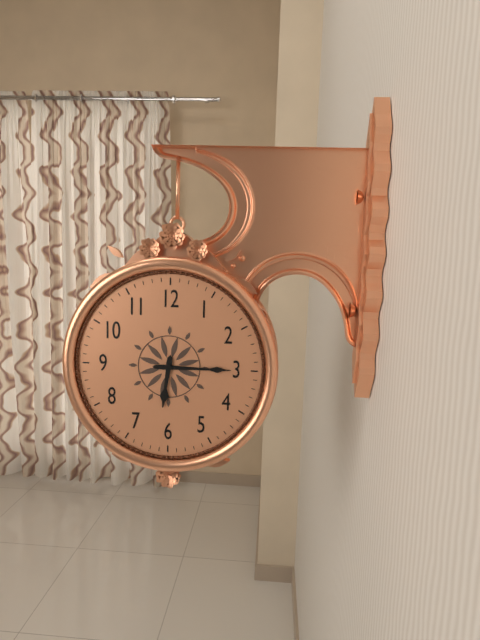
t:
6,15
